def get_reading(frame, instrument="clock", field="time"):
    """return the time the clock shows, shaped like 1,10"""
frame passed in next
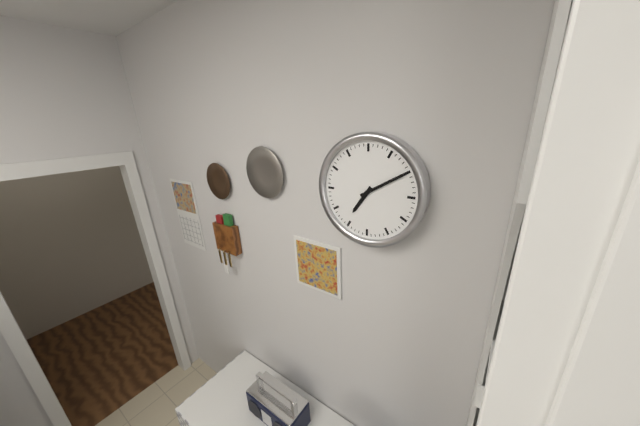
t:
7,10
